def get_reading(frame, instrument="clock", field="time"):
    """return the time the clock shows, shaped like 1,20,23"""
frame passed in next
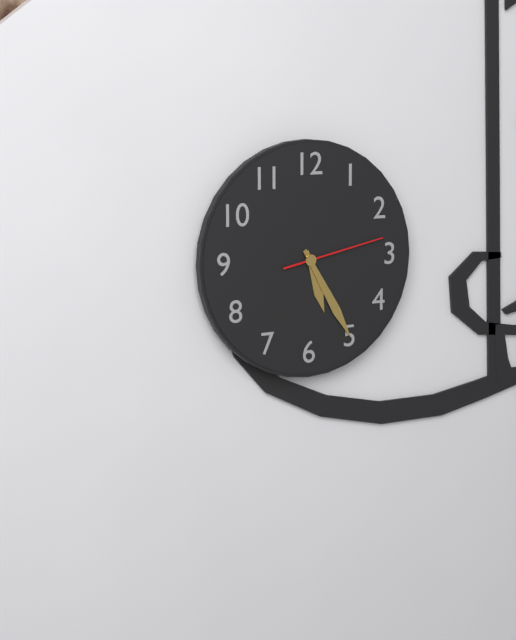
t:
5,25,13
